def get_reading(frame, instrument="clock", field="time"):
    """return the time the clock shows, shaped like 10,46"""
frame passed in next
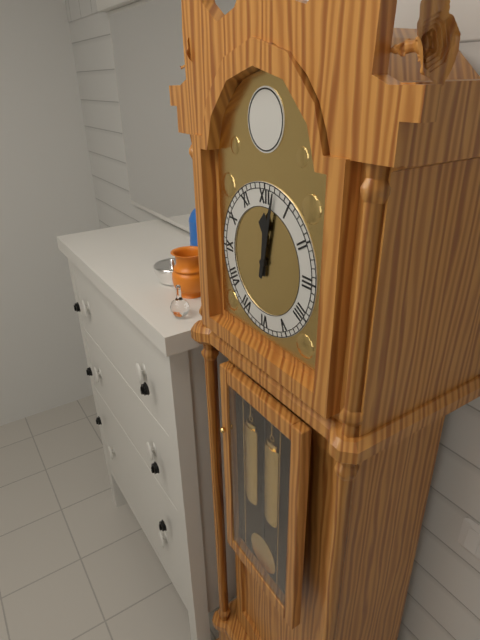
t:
12,02
